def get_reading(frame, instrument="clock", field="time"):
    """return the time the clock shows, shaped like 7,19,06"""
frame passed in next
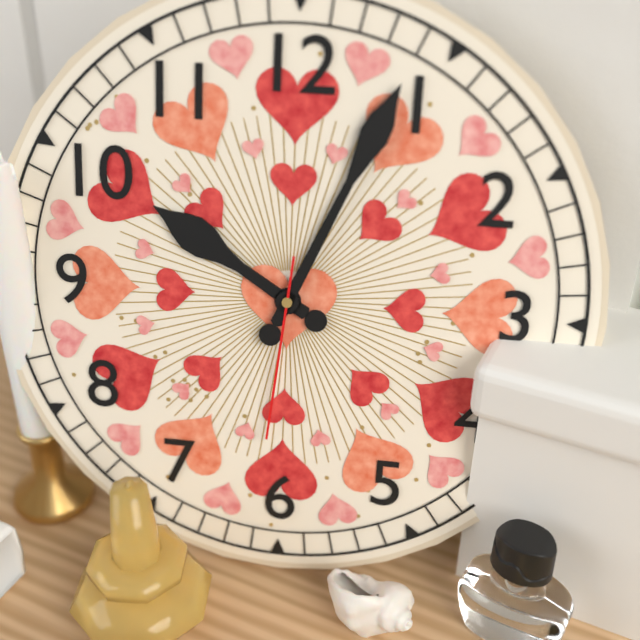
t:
10,04,31
